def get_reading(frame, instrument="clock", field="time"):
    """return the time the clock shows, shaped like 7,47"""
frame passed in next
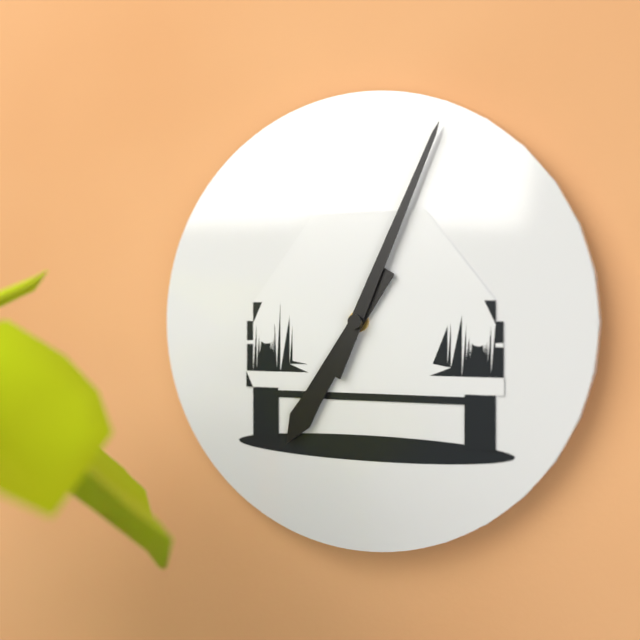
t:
7,04
